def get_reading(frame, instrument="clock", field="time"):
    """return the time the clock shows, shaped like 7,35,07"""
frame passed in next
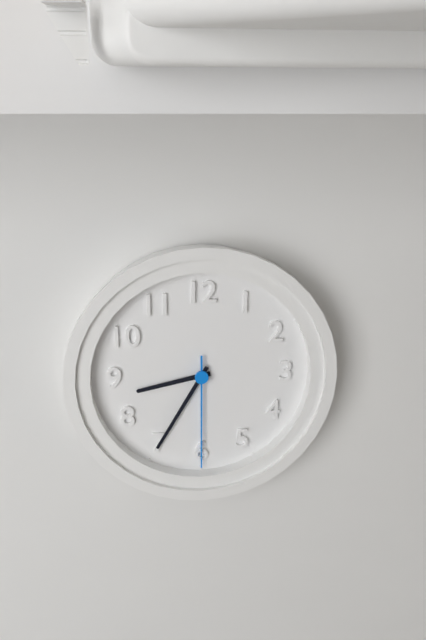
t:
8,35,30
